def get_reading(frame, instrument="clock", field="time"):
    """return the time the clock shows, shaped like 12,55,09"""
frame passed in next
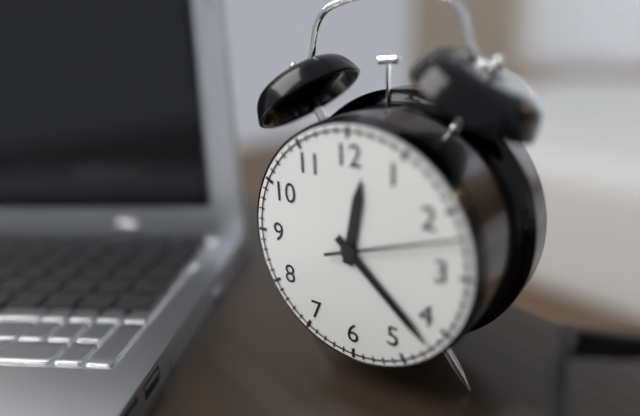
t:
12,22,12
